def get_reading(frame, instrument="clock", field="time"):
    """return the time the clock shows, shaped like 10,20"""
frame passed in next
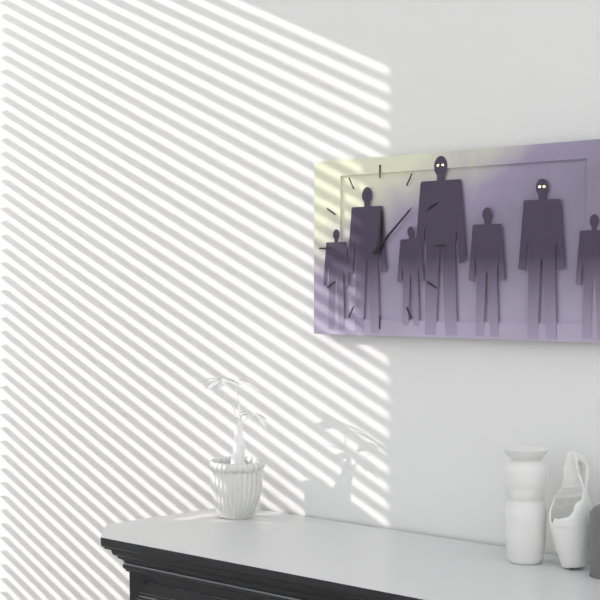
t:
12,08
